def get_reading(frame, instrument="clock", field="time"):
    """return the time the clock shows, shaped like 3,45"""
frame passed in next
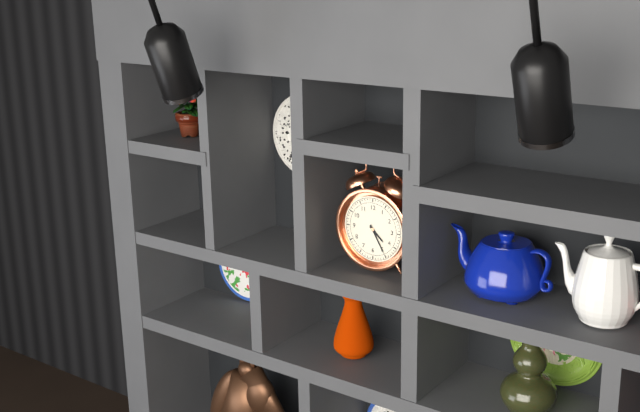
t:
4,25
